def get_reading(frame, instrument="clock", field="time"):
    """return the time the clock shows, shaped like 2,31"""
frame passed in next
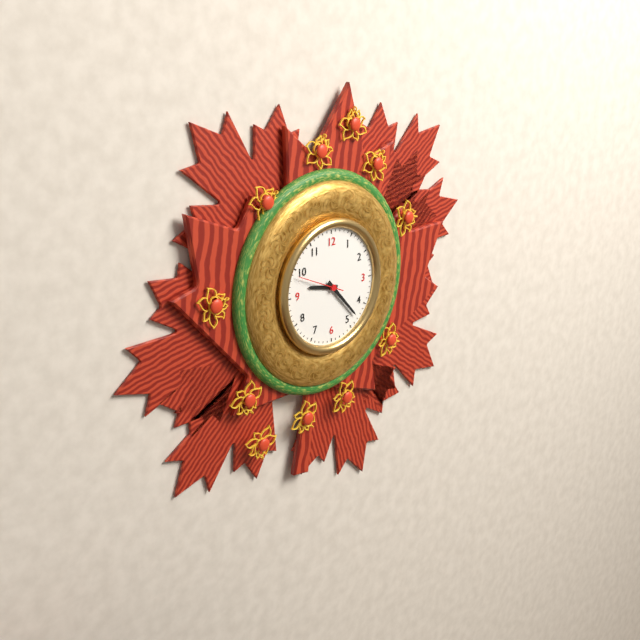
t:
9,23
